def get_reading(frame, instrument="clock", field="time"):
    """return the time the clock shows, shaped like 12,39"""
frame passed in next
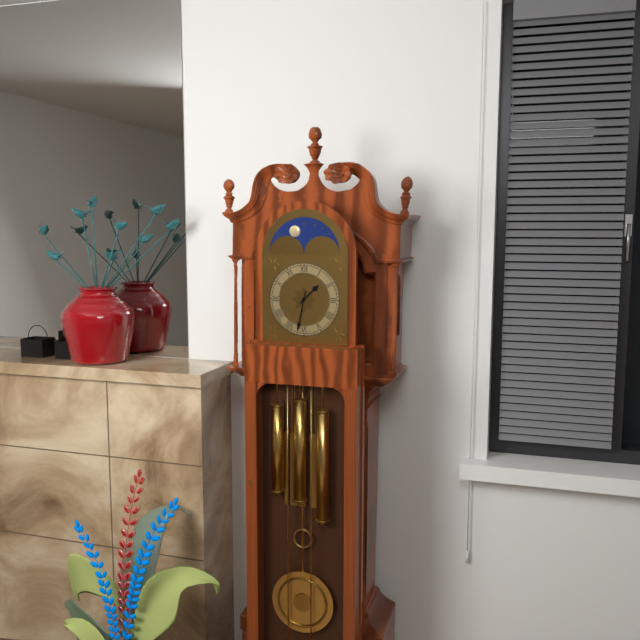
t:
1,32
